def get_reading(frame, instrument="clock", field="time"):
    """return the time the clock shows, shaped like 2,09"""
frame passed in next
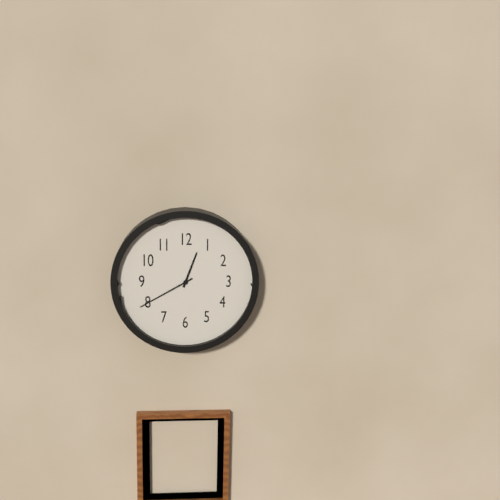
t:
12,40
